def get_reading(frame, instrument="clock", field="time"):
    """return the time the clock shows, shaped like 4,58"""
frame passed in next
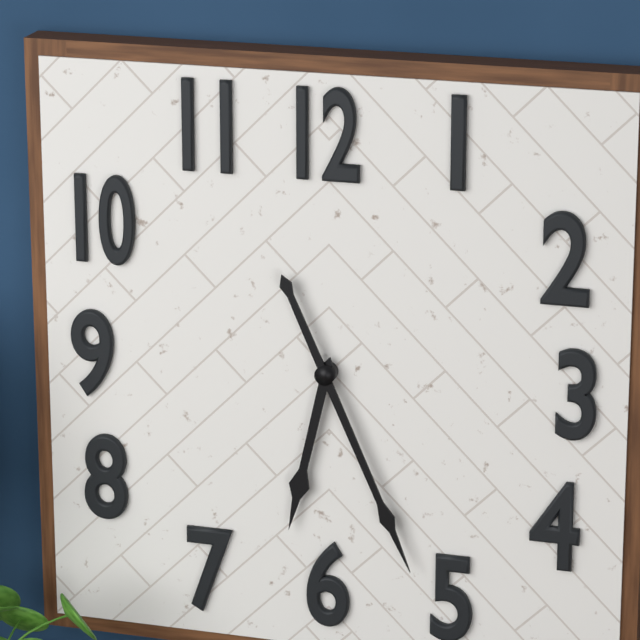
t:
6,26
